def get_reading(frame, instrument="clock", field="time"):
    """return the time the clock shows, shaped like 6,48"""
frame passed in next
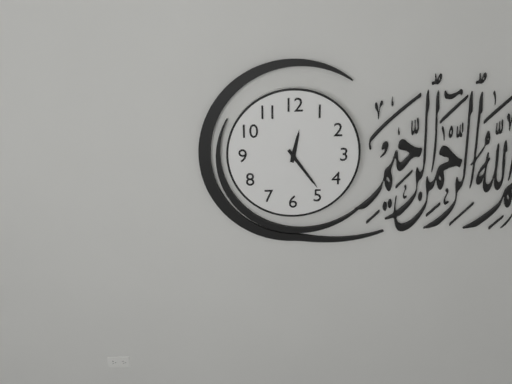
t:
12,24
